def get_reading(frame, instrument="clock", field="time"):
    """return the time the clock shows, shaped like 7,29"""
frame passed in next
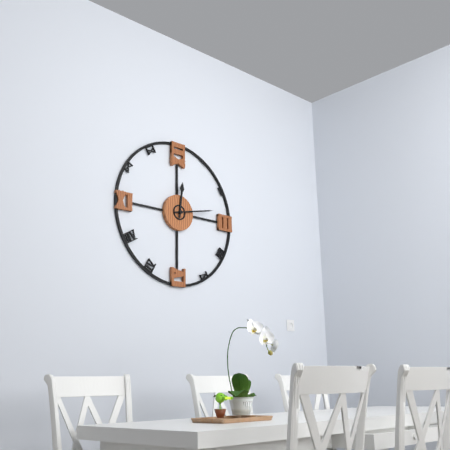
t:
12,13
